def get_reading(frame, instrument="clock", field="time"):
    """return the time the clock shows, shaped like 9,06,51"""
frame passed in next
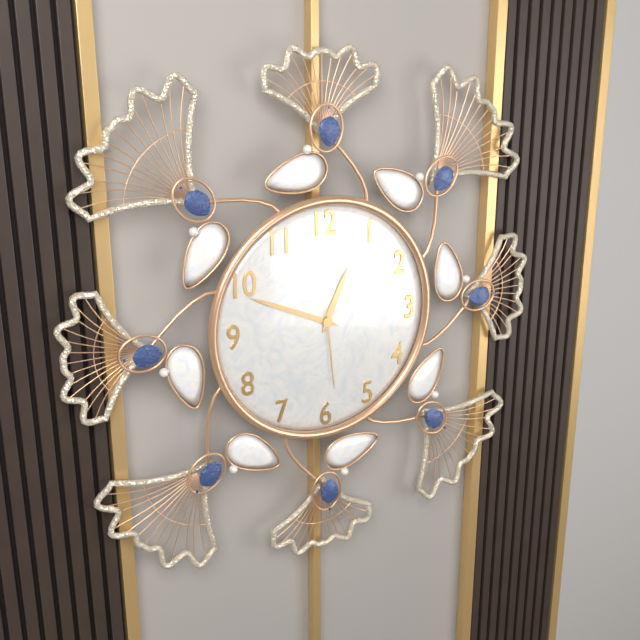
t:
12,49,29
